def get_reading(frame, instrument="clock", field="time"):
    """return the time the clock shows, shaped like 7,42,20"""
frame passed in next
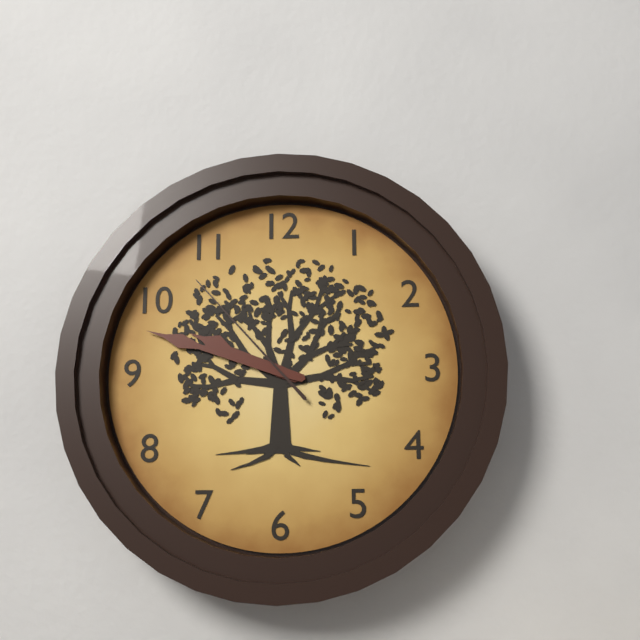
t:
9,48,53
